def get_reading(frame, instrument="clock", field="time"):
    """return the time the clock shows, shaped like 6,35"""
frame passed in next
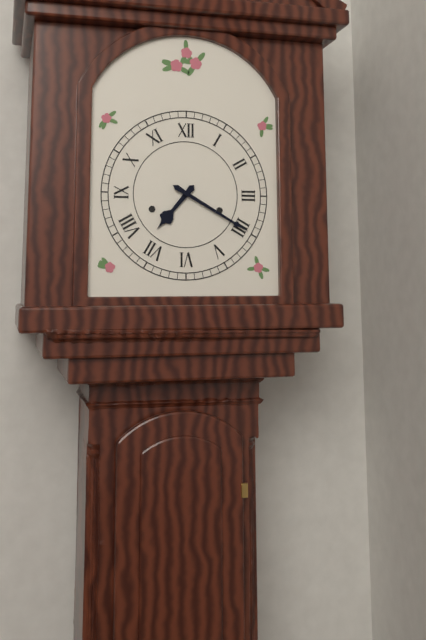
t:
7,20
